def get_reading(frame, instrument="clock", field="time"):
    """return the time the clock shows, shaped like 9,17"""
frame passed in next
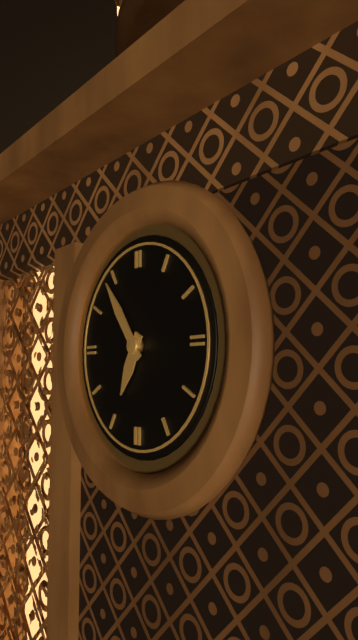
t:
6,54
